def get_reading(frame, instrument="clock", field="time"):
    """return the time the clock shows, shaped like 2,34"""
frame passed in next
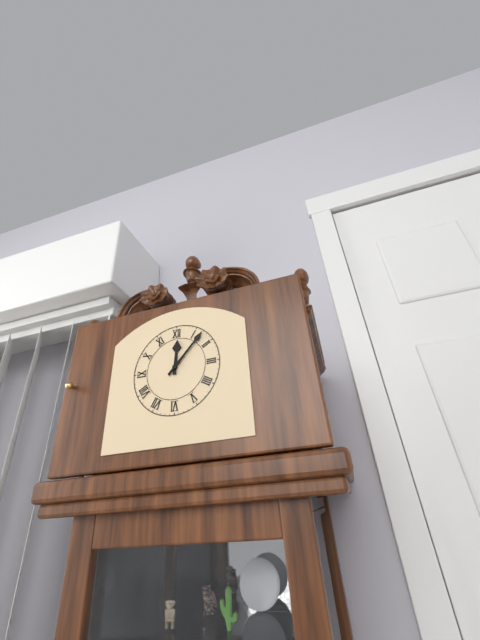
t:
12,07
